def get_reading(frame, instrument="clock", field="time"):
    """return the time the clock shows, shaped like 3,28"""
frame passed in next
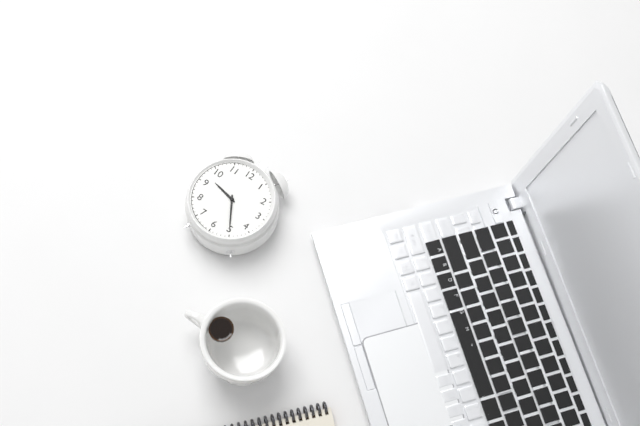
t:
9,25
